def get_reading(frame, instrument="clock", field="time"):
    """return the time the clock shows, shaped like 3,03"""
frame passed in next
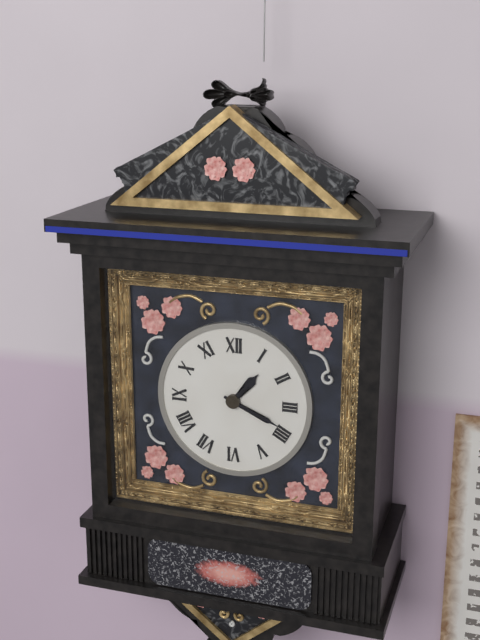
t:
1,19
